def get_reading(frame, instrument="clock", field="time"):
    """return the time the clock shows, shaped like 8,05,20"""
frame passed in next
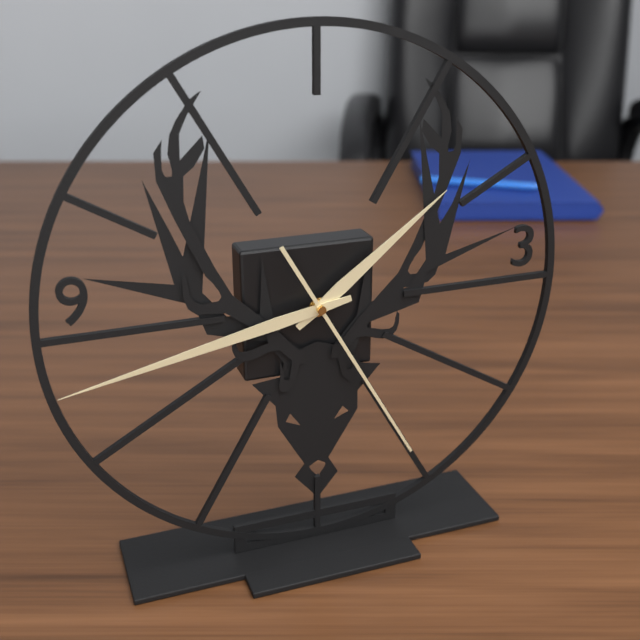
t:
1,43,25
